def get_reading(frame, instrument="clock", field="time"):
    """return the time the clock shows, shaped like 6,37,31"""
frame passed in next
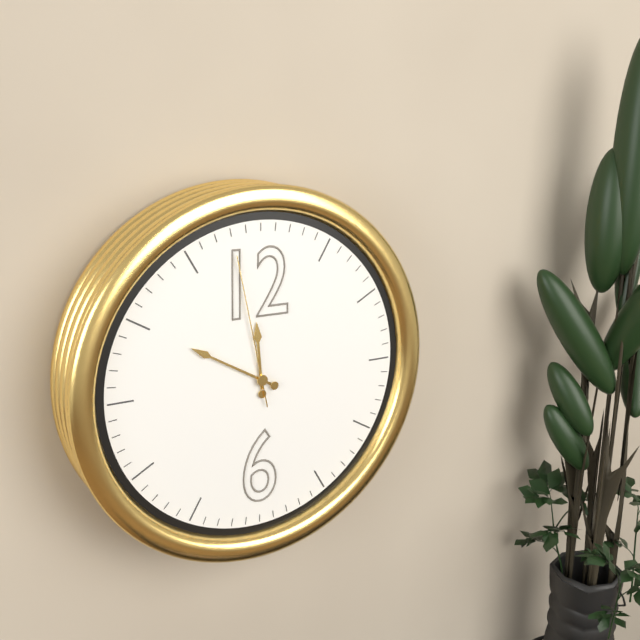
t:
11,50,58
